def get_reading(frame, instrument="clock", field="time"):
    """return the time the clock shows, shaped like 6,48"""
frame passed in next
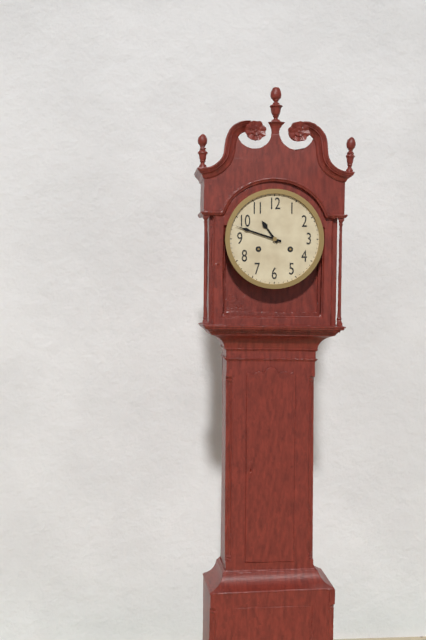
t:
10,48
